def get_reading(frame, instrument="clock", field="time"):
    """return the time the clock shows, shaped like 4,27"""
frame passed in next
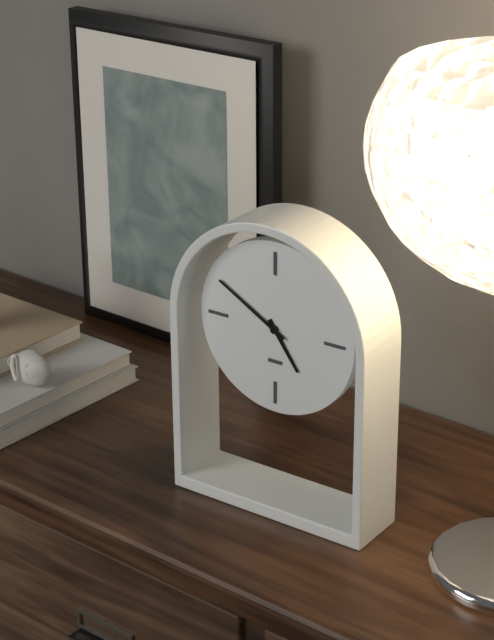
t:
4,50
